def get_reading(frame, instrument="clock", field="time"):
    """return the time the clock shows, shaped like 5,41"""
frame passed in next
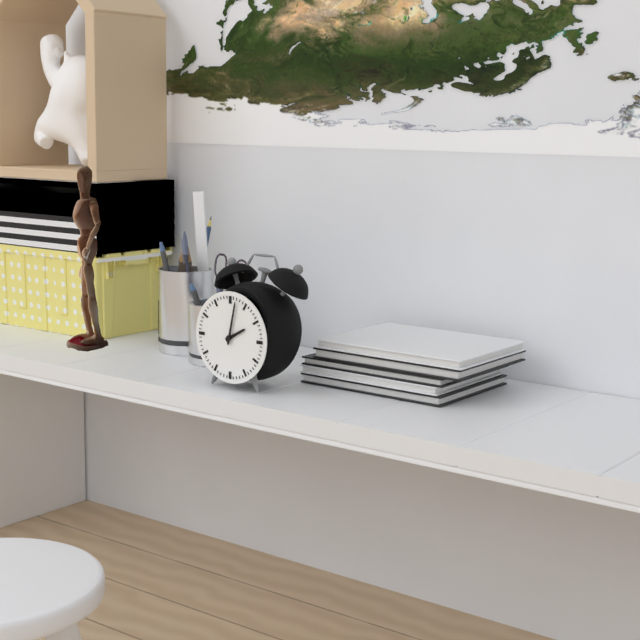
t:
2,02
